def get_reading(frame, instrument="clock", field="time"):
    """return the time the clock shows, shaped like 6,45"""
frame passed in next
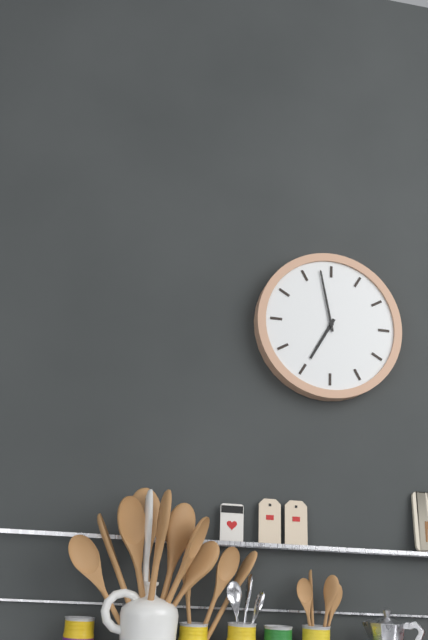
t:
6,58
